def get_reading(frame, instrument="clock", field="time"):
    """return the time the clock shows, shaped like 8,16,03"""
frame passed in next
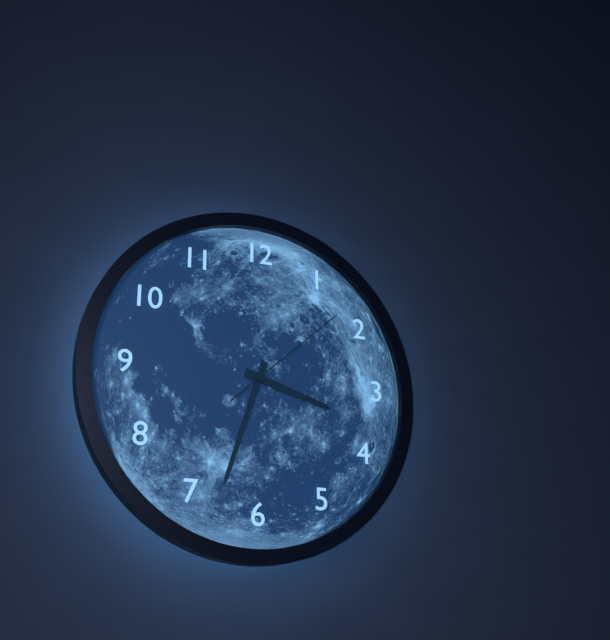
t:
3,33,08
